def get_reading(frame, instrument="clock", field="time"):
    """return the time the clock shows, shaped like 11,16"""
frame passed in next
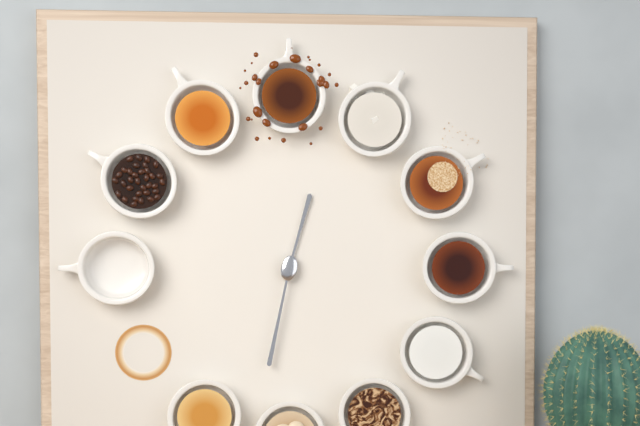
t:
12,32
